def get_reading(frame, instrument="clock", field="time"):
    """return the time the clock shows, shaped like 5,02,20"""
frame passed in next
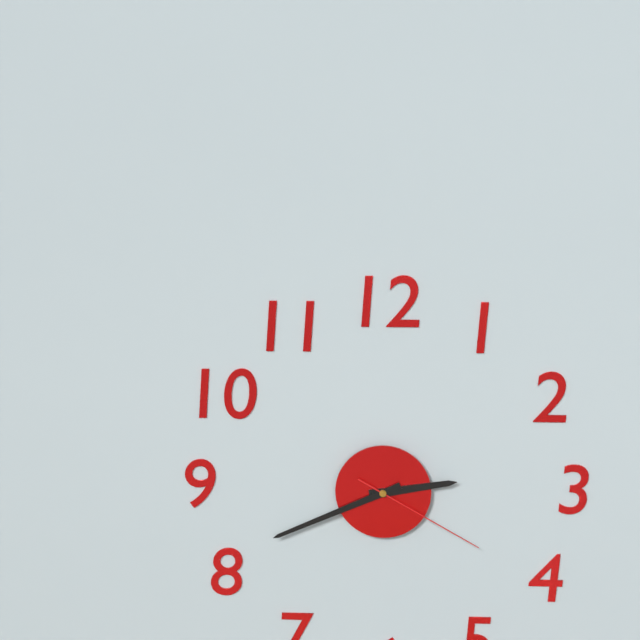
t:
2,41,20
